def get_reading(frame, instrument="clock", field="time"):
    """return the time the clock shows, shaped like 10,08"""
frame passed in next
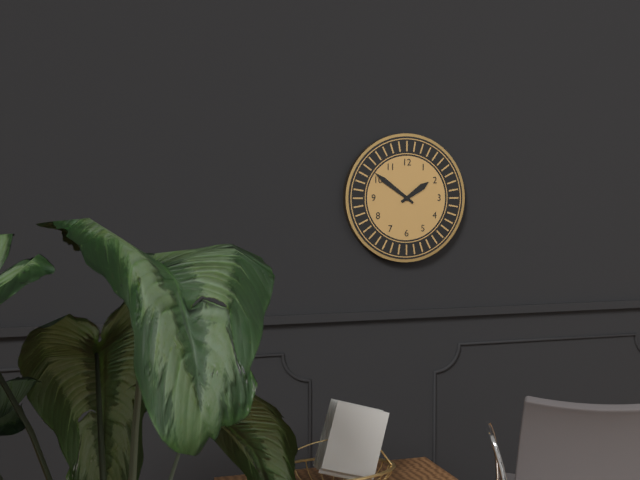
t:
1,51
